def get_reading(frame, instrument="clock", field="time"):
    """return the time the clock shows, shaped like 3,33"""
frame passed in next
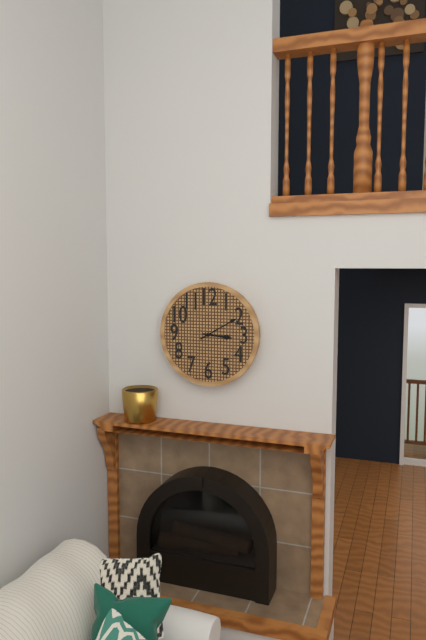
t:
3,10
